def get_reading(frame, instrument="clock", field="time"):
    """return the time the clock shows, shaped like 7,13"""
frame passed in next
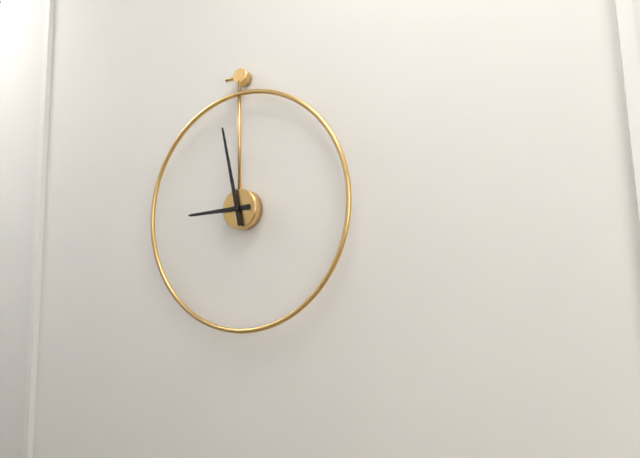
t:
8,58
